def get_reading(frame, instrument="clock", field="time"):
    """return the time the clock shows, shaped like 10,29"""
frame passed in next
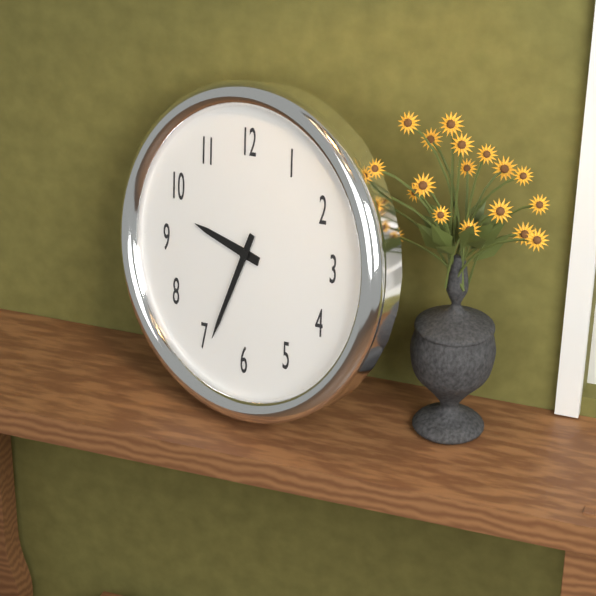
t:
9,34
